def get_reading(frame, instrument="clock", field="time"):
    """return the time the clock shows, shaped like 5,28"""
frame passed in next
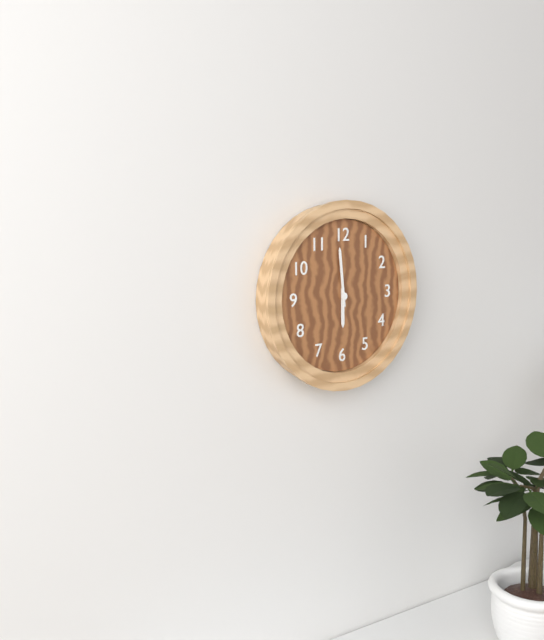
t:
5,59
